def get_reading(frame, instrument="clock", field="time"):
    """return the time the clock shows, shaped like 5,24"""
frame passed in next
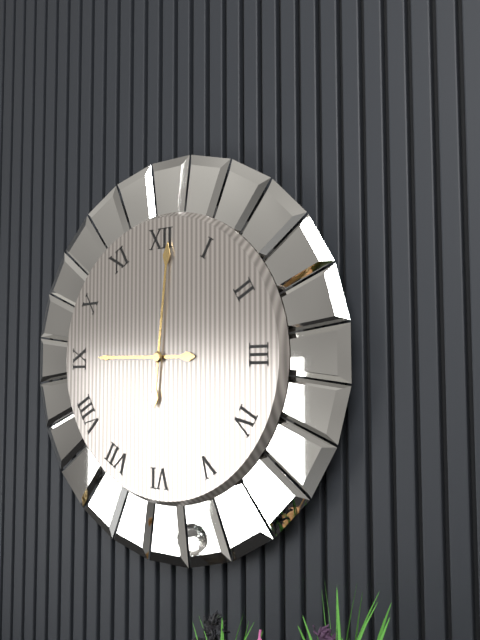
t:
9,01
